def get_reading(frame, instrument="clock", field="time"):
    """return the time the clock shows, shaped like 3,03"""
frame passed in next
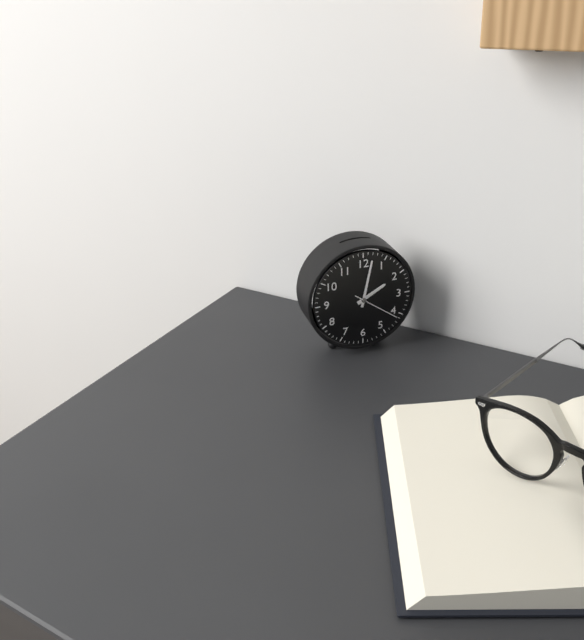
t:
2,02
